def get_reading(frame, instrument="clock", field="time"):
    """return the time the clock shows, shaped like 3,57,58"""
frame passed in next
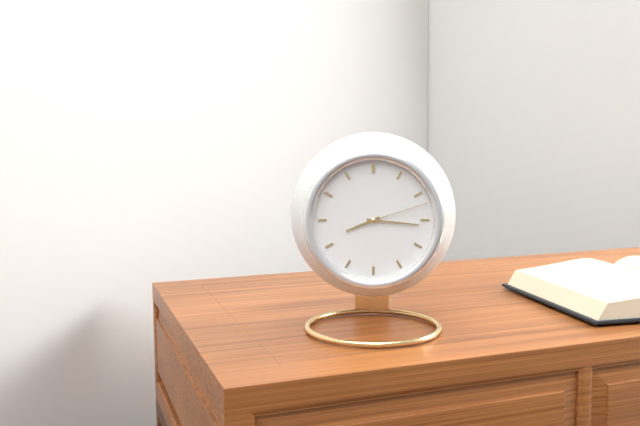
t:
8,16,12
